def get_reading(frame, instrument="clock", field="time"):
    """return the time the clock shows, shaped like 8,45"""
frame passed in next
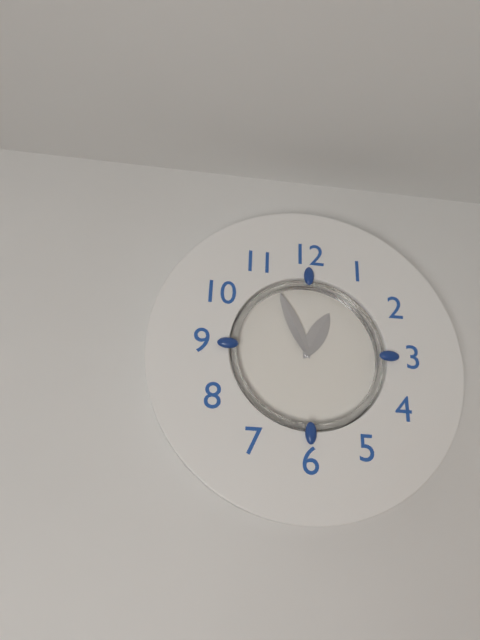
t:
12,56
